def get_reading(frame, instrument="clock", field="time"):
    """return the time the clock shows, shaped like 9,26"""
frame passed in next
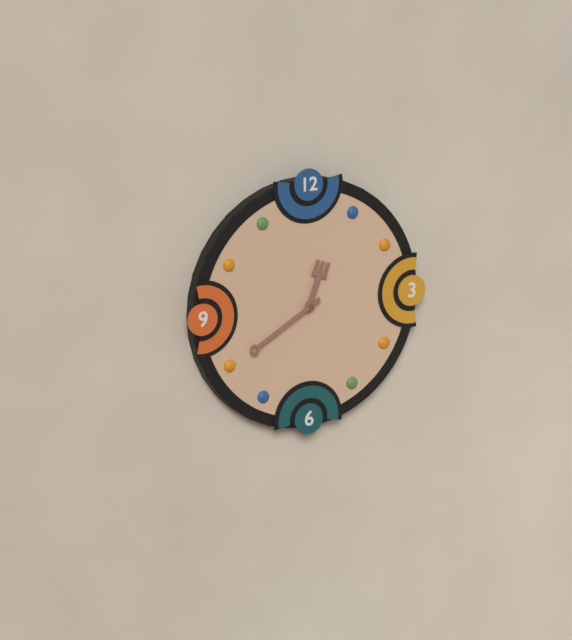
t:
12,40
